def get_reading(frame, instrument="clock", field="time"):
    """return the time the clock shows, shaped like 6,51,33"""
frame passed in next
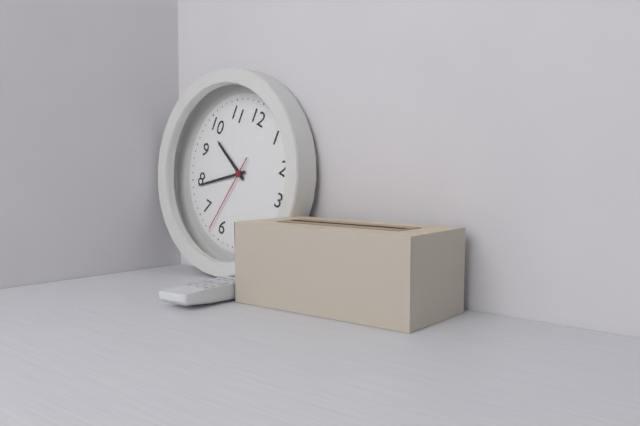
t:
9,39,32
